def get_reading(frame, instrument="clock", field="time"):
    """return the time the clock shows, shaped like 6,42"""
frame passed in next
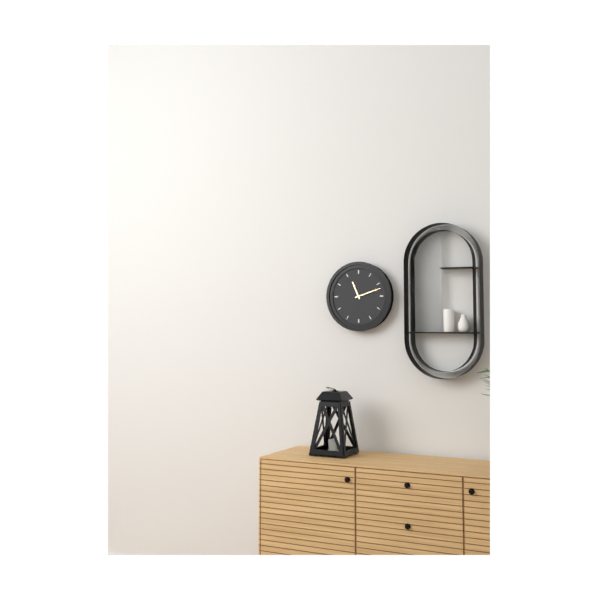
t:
11,12
